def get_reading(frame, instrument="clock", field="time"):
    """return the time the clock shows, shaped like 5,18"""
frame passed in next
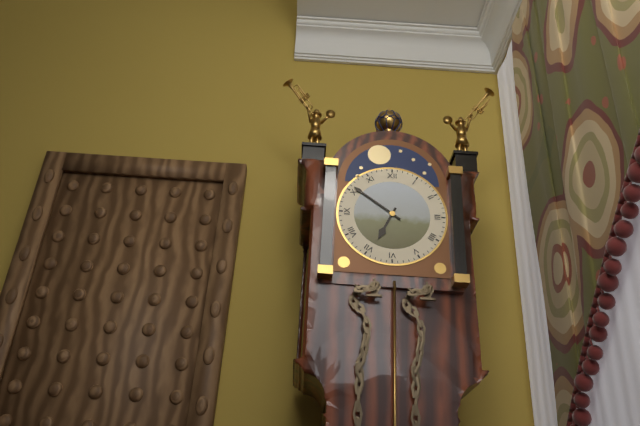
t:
6,51
